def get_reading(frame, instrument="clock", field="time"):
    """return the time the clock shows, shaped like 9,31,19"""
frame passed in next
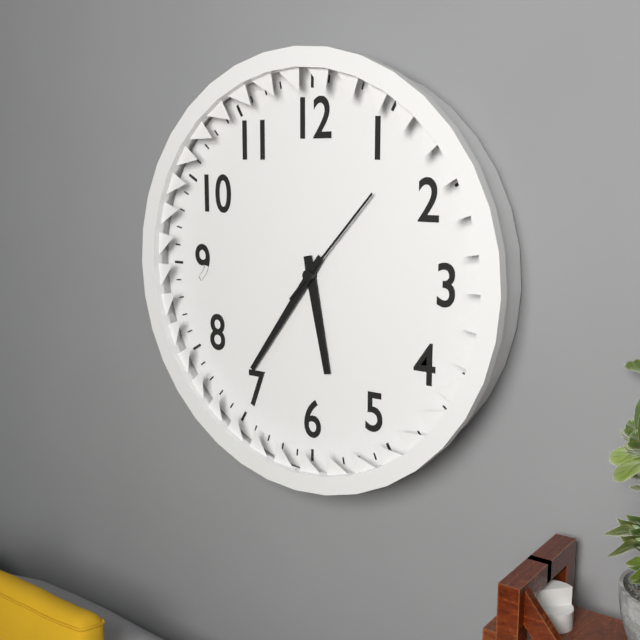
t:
5,36,07
